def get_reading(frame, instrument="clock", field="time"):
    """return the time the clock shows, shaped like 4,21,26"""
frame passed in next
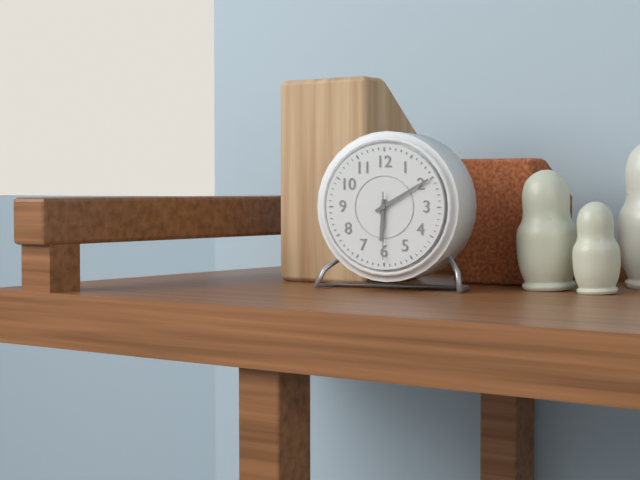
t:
6,10,30
